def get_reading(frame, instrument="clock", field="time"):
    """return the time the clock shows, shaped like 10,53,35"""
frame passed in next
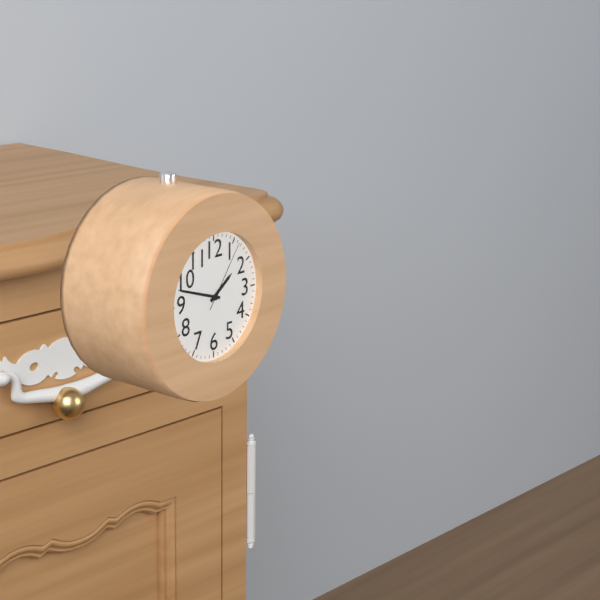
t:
1,48,06
